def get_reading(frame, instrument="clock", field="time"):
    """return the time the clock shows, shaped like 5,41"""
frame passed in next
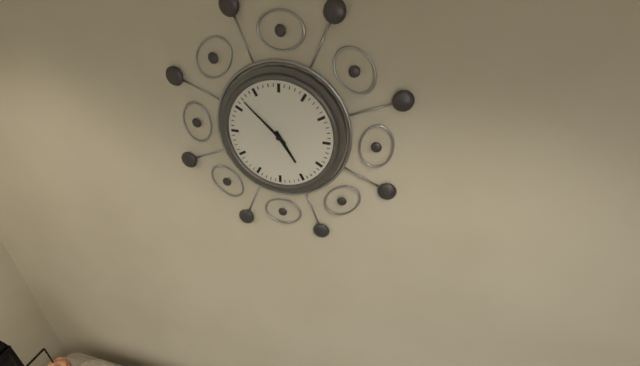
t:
4,52
